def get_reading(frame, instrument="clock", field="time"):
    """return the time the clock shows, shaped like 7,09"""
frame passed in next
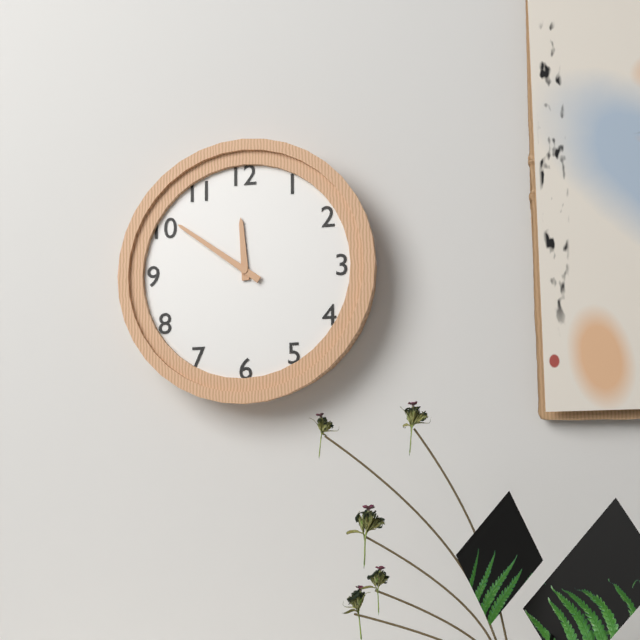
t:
11,51
